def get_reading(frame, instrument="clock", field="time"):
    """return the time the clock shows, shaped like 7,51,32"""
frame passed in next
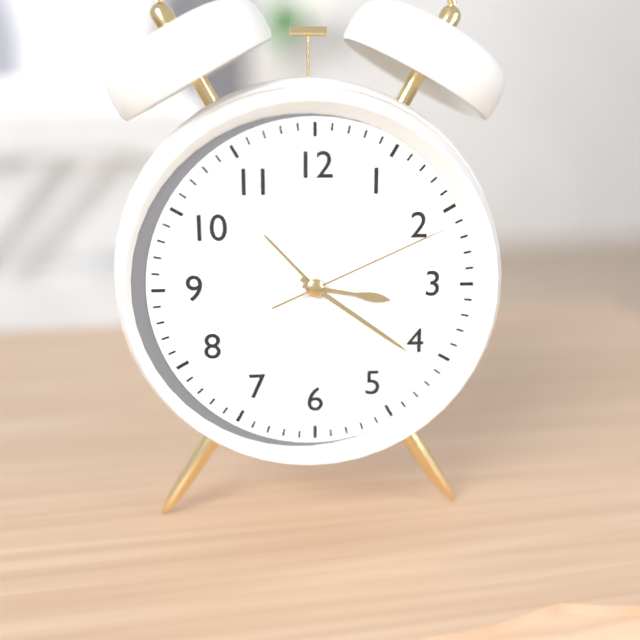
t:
3,21,11
